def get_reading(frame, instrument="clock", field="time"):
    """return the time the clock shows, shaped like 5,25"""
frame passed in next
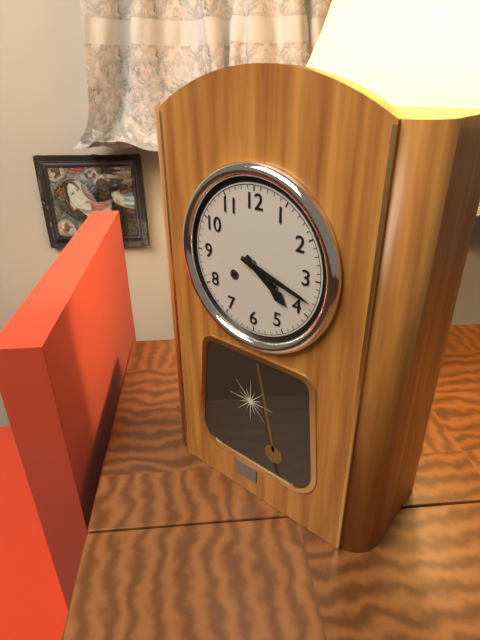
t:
4,18
